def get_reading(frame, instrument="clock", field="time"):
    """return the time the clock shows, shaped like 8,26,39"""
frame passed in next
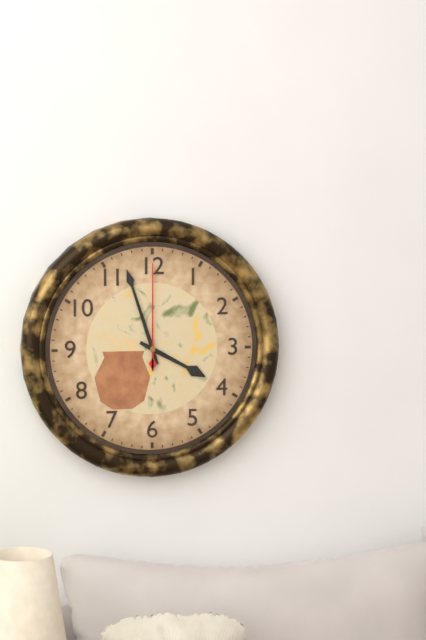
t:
3,57,00
